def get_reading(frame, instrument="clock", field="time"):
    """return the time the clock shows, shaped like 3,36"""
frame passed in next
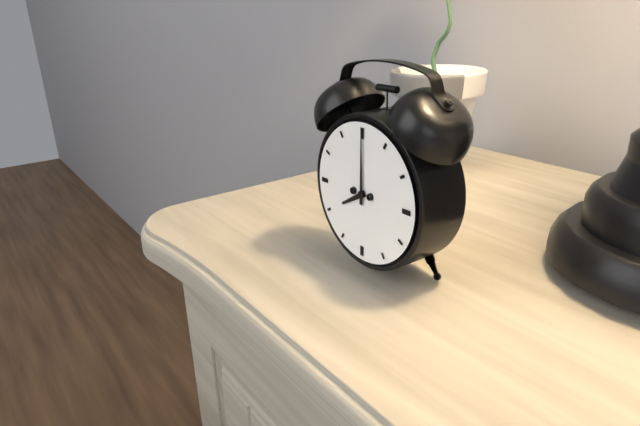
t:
8,00
